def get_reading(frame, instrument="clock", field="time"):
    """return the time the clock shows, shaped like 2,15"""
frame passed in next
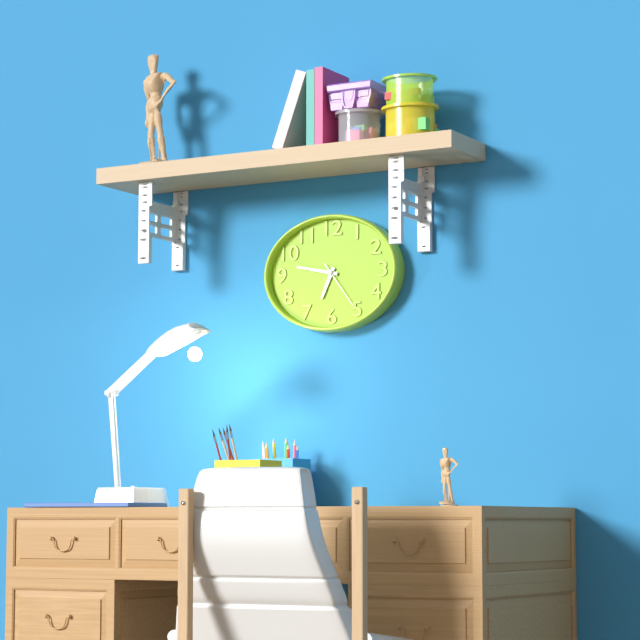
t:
6,47
